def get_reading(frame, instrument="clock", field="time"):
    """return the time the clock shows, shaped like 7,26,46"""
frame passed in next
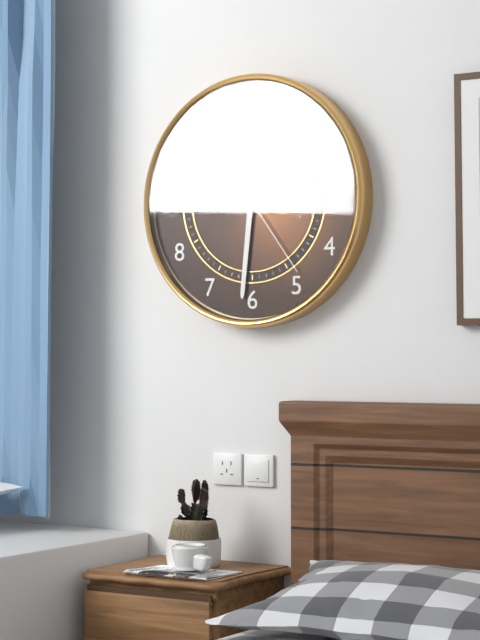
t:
9,31,24
